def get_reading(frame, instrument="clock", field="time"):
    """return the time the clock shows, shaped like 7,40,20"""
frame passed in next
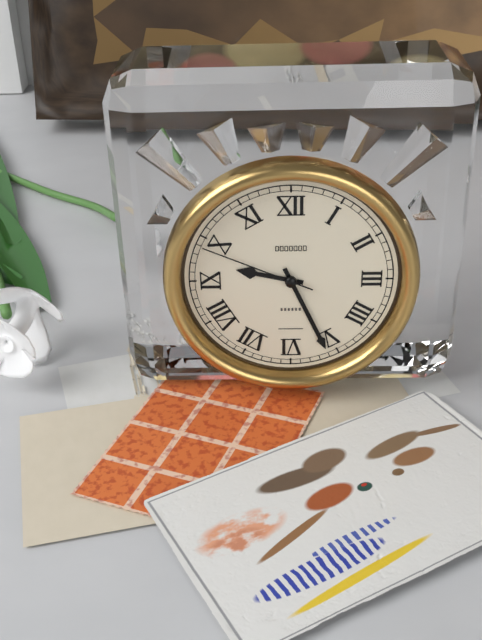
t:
9,26,49
